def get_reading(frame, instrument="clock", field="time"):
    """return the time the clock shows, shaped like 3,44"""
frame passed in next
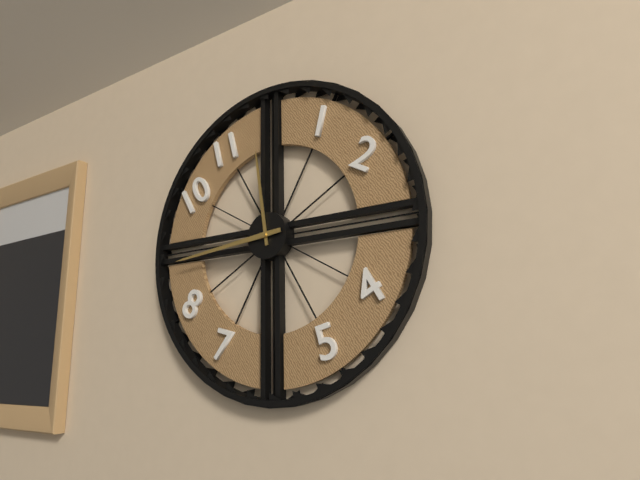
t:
11,44
